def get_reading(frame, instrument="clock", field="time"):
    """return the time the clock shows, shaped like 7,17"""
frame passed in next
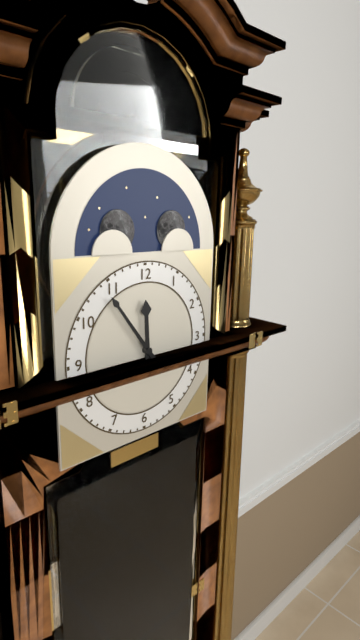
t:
11,54
